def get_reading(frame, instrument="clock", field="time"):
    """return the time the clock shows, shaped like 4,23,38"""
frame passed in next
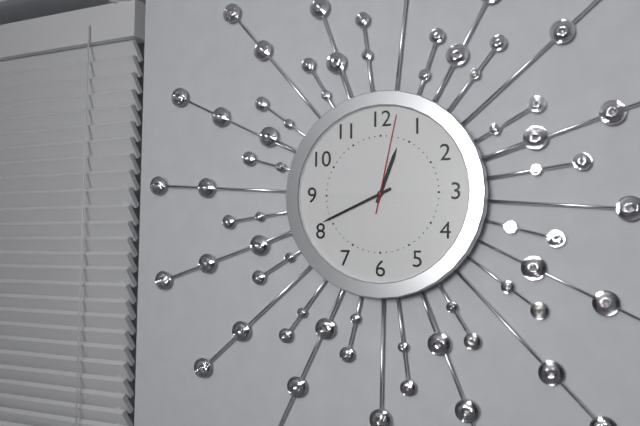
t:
12,41,02
